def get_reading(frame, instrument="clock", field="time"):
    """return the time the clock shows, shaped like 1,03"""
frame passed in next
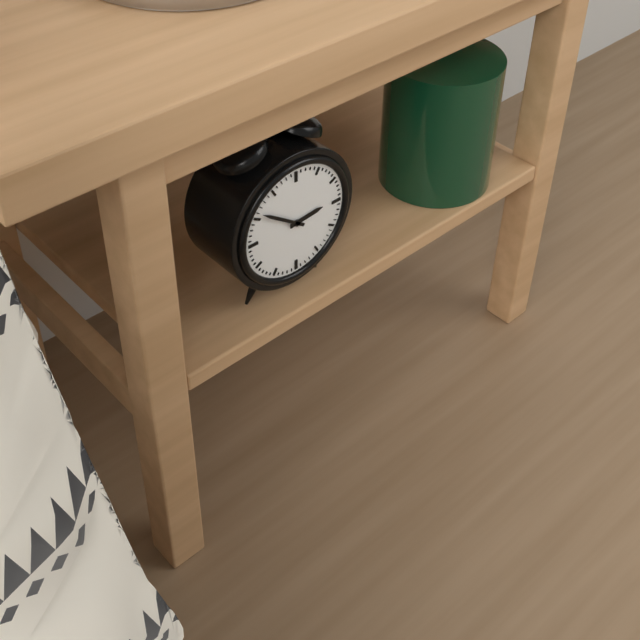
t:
2,51
